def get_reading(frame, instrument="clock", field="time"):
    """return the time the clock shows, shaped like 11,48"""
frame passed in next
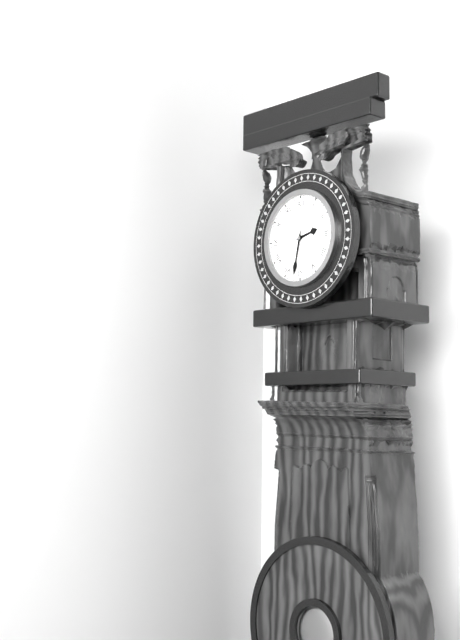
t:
2,32
